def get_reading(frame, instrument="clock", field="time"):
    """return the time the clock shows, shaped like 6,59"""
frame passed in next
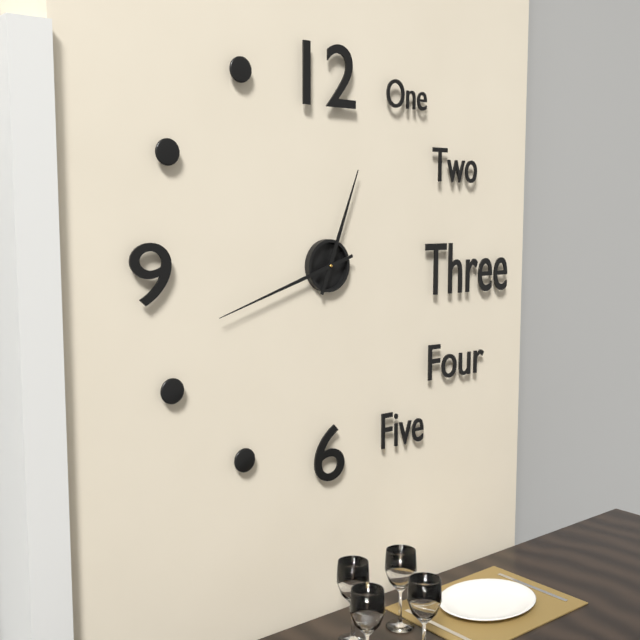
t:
12,42
